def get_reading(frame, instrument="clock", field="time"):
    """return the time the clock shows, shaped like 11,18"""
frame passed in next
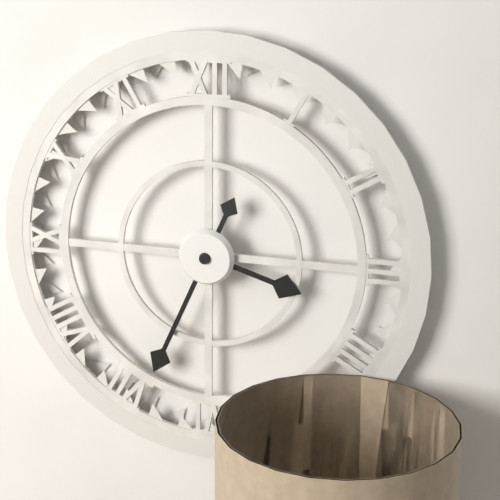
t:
3,34
